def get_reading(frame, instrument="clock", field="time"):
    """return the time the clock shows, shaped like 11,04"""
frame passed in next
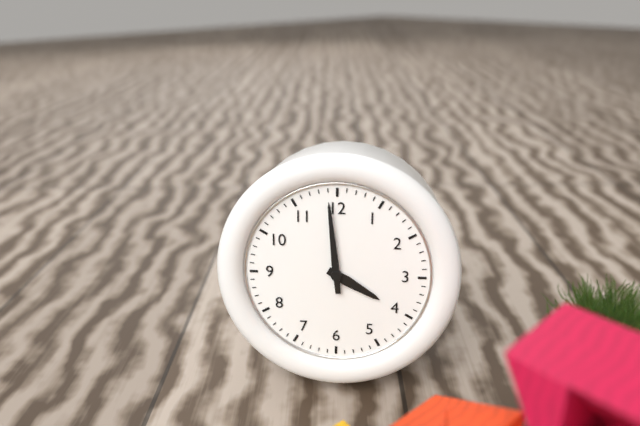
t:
3,59
